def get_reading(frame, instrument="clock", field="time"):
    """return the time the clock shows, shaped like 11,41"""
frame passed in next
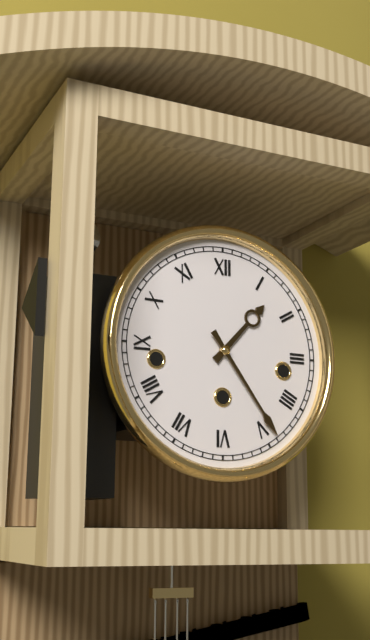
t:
1,24
